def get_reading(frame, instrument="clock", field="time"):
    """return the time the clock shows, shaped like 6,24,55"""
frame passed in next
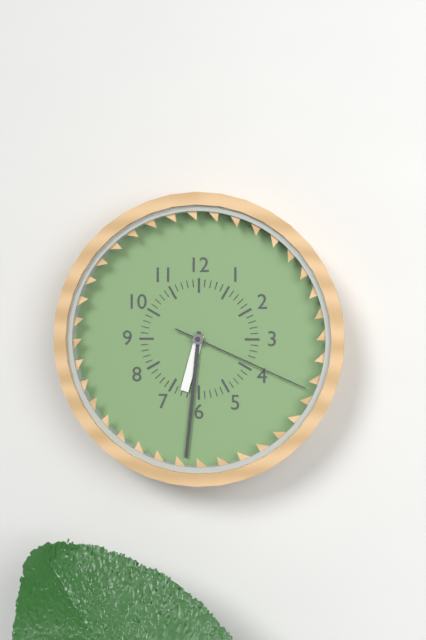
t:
6,31,19
